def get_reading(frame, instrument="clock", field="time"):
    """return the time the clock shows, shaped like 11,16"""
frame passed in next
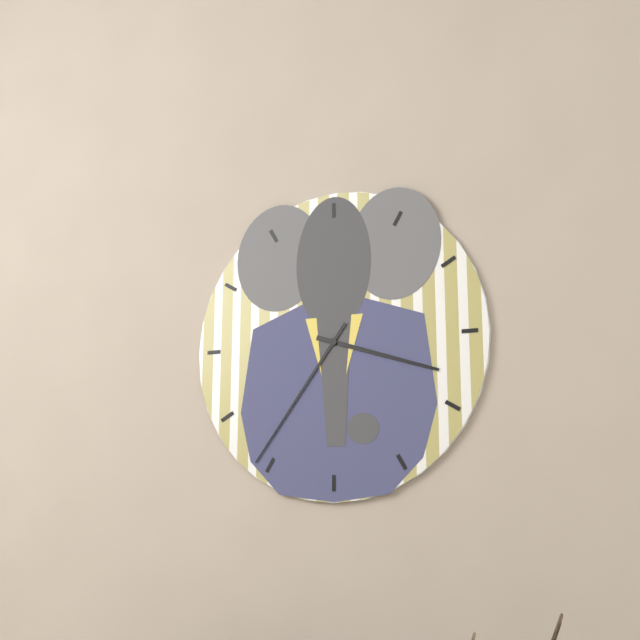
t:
3,36
